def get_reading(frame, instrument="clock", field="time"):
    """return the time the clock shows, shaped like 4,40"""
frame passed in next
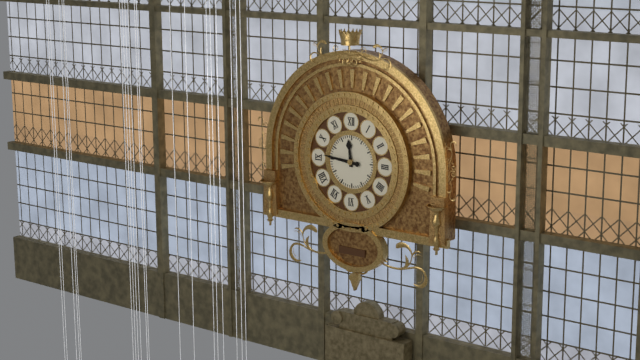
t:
11,46
